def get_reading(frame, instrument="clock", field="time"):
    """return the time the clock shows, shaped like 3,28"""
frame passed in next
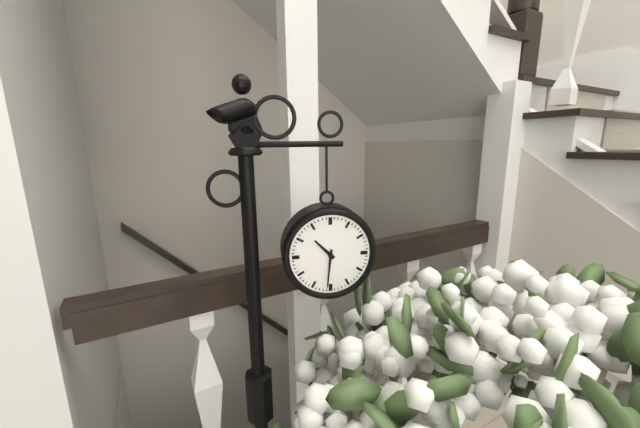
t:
10,31
